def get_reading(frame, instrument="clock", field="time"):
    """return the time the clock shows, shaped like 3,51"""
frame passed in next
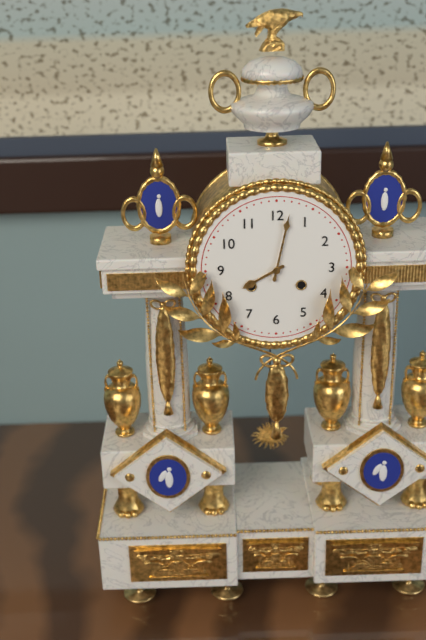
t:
8,02
